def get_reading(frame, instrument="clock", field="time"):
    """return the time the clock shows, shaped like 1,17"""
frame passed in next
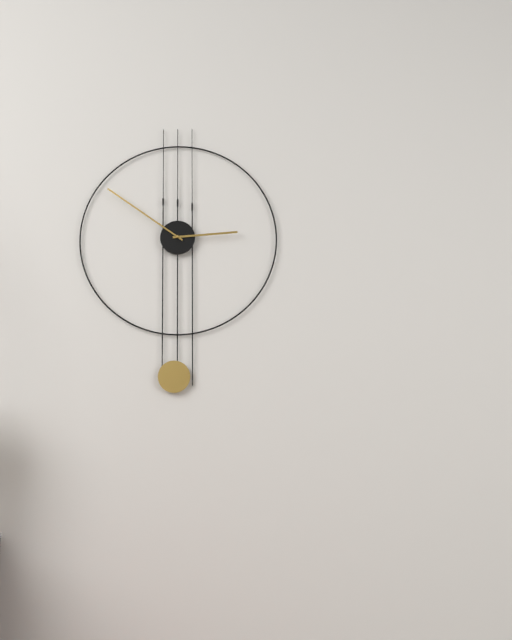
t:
2,51
